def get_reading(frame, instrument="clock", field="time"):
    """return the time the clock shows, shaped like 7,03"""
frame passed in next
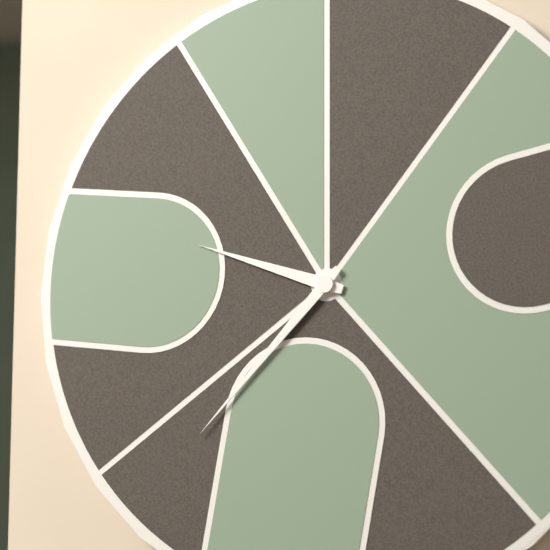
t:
9,37
